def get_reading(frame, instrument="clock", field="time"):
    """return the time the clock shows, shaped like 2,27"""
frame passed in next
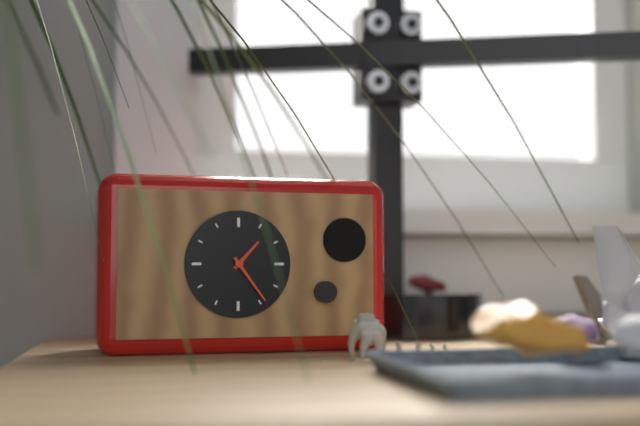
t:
1,24
